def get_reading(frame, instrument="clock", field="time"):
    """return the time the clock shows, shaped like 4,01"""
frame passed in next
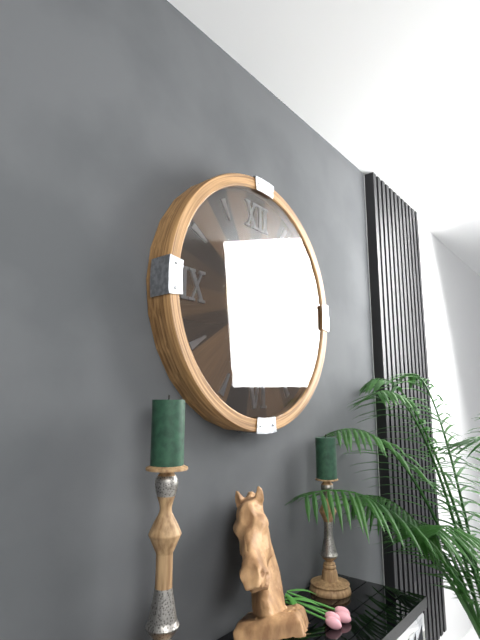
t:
2,14
